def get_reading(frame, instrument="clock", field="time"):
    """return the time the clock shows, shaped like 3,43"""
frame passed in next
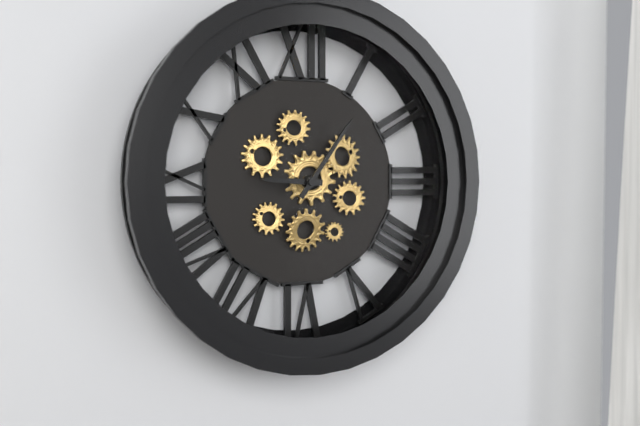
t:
9,06
